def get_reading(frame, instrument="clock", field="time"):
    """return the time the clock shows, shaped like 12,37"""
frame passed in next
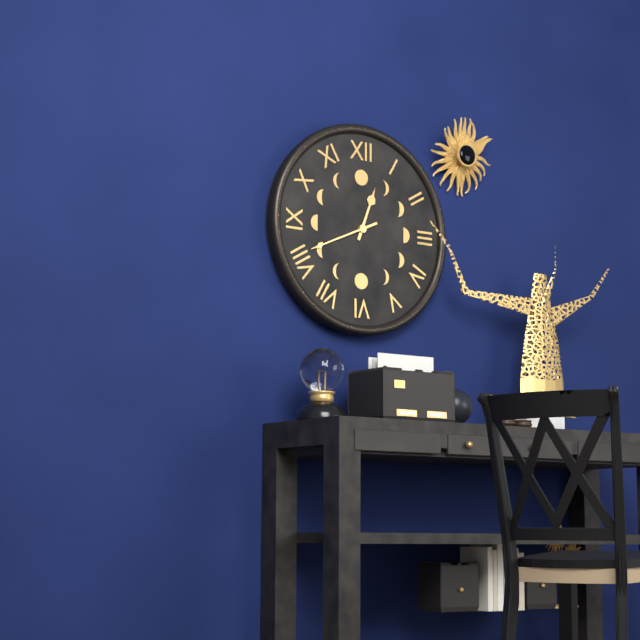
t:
12,41
